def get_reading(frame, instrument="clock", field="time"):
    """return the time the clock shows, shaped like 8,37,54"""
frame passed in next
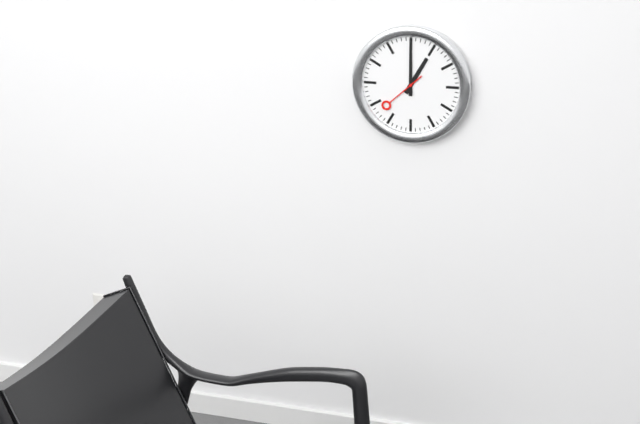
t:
1,00,38
